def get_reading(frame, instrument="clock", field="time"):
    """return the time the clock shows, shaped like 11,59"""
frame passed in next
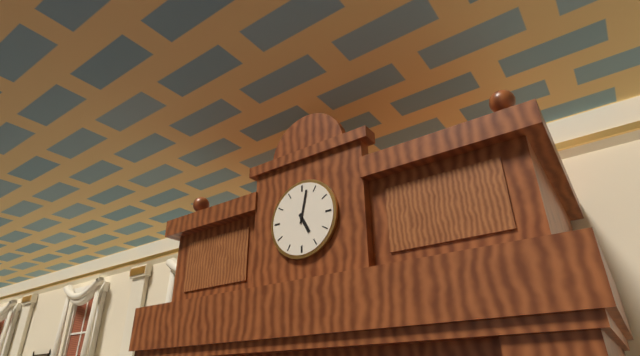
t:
5,02
